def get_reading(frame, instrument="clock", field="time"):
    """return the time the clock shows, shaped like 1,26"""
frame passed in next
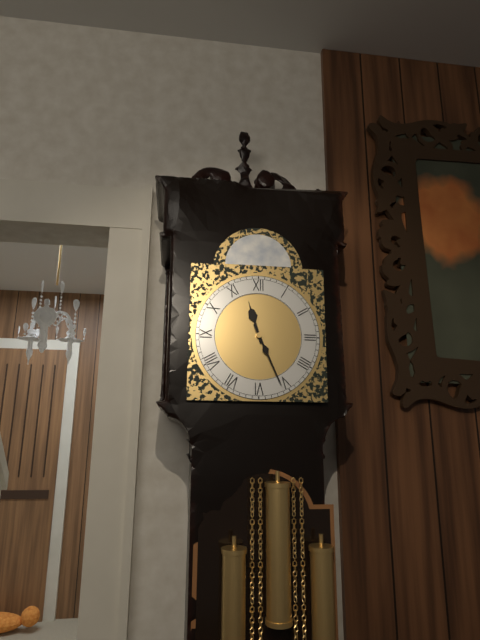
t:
11,26
